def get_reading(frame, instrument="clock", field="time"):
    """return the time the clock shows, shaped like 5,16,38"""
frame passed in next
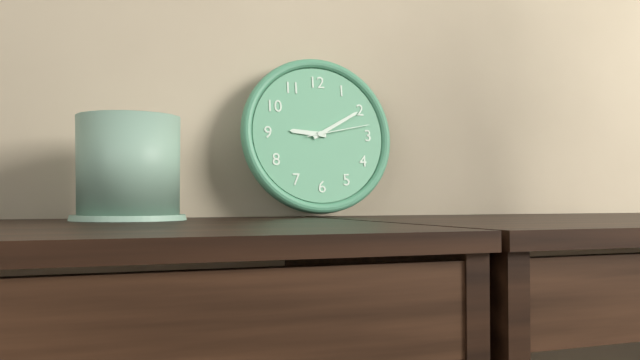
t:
9,10,13
